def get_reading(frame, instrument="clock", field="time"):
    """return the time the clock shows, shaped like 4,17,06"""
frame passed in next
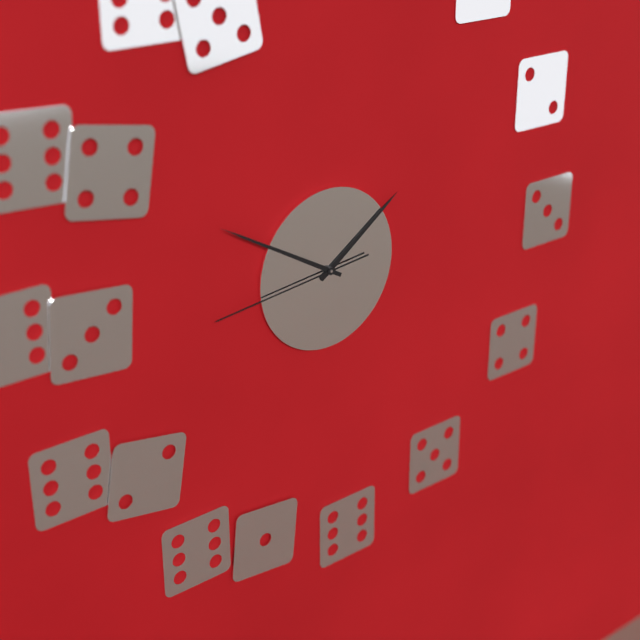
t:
1,50,44
